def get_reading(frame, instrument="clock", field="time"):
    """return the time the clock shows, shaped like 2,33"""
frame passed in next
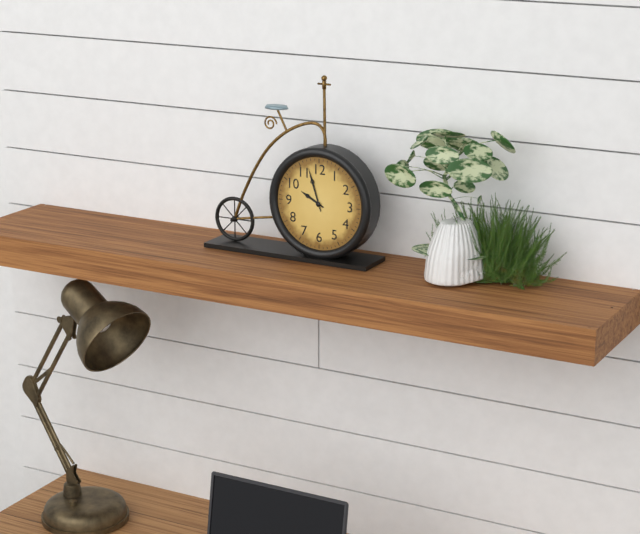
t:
9,57
